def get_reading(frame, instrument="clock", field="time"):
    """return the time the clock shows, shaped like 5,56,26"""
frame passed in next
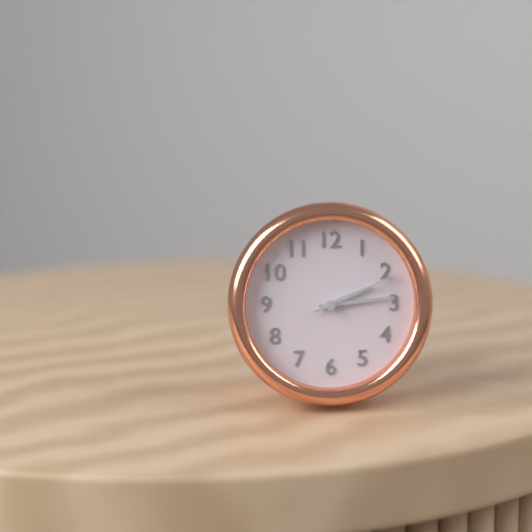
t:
2,14,11
